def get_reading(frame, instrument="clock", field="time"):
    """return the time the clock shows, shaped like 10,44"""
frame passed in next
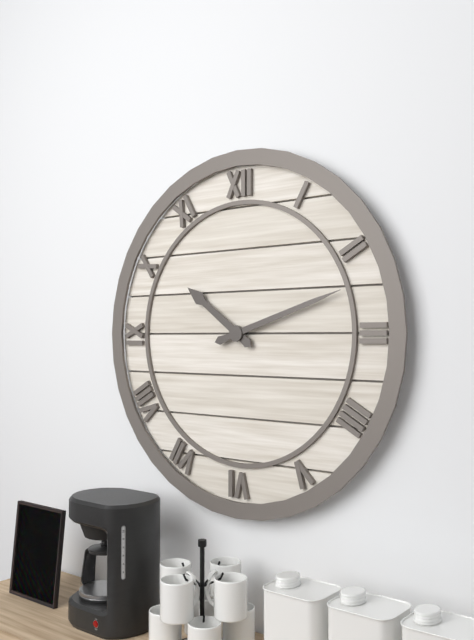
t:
10,12
